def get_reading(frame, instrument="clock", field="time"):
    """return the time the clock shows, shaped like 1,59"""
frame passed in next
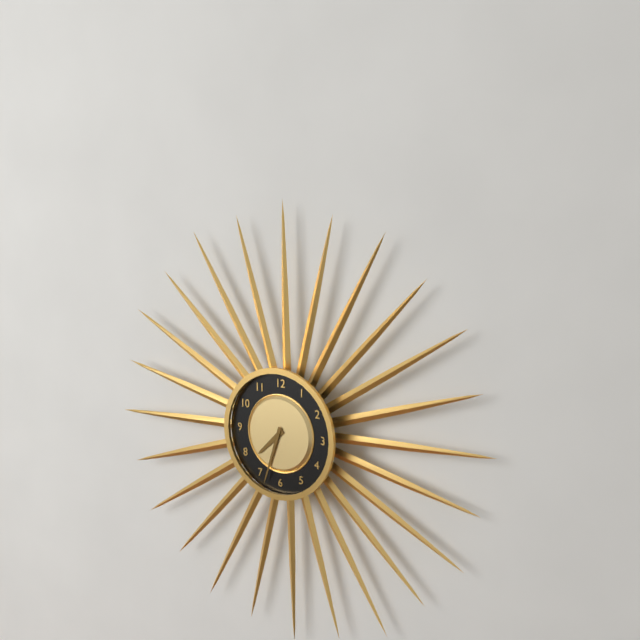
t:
7,33
